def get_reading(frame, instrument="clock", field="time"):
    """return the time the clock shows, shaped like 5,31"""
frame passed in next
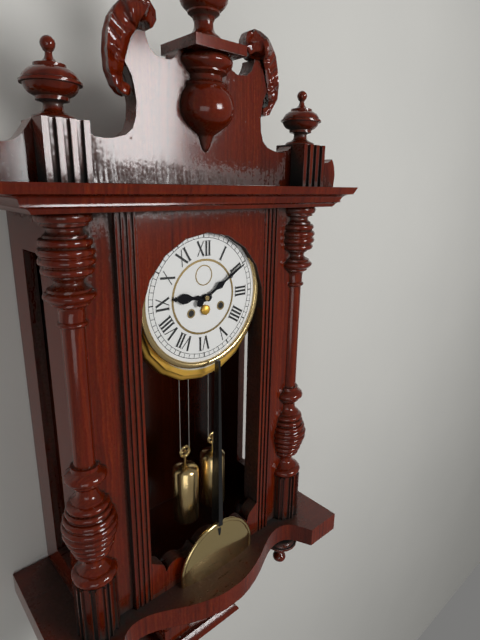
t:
9,10
